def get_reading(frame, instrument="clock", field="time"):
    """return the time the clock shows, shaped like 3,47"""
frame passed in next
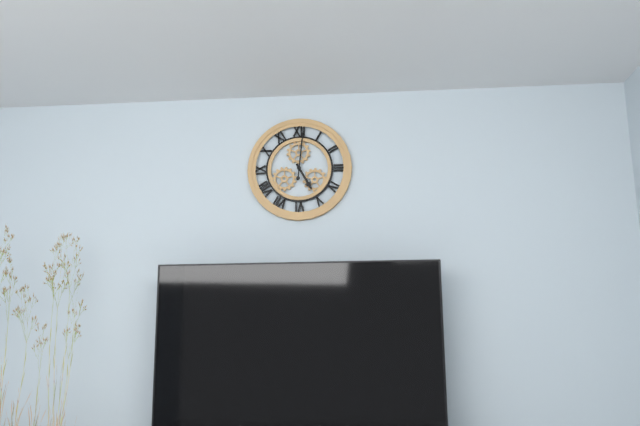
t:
5,01
